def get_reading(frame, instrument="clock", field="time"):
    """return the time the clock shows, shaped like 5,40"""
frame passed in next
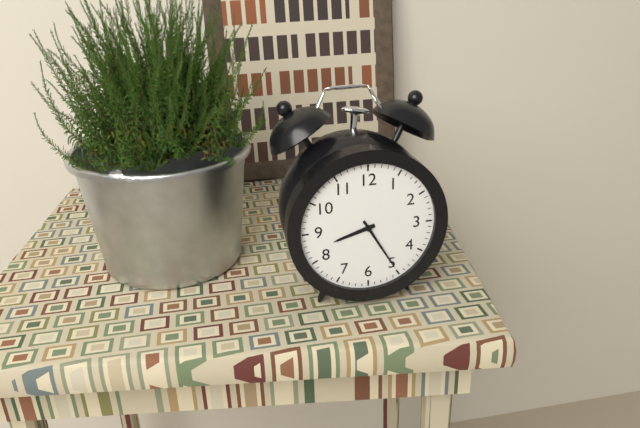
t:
8,25
